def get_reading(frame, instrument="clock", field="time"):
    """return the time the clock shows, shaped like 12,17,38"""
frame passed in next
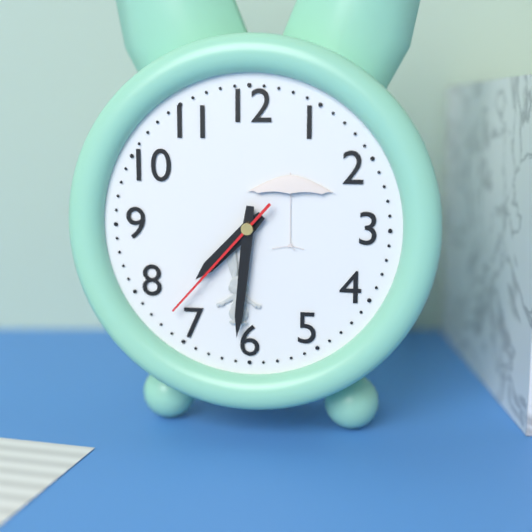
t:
7,31,37
